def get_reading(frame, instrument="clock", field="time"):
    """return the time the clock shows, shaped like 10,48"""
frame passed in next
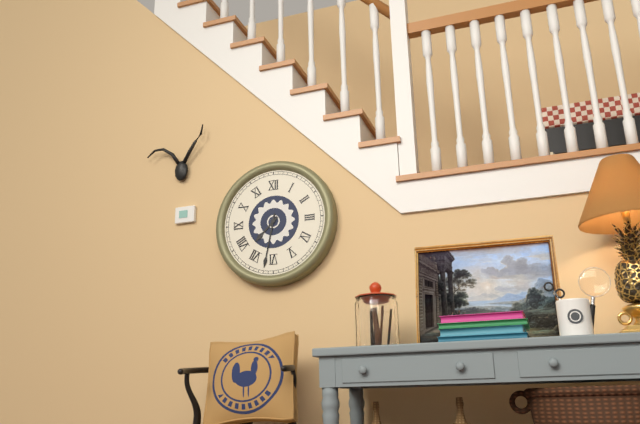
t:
7,32
